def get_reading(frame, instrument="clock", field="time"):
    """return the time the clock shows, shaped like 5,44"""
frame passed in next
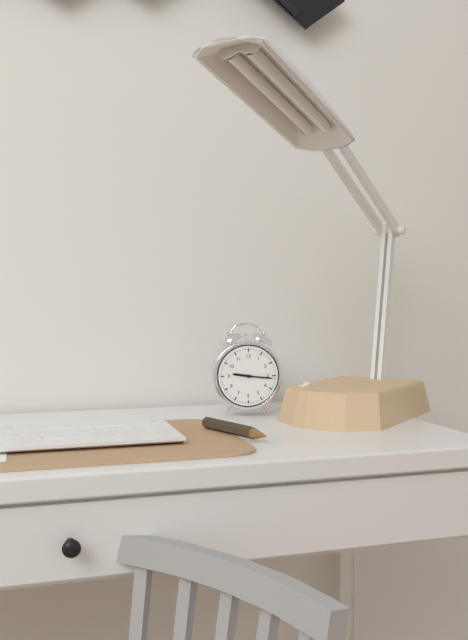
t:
9,16
